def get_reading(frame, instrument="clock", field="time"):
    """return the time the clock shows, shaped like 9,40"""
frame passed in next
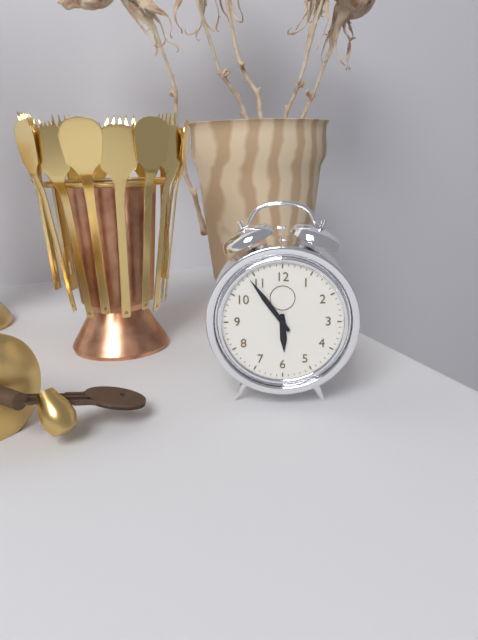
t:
5,54
